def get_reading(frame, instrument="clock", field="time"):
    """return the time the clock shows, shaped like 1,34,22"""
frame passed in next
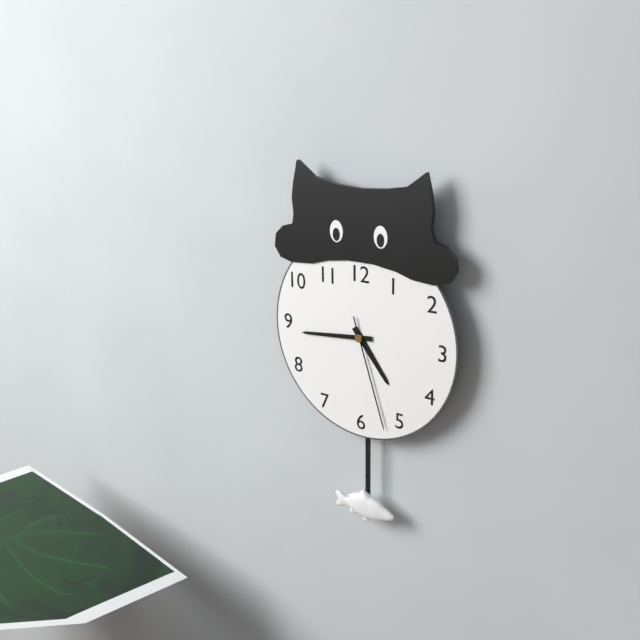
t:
4,44,27
